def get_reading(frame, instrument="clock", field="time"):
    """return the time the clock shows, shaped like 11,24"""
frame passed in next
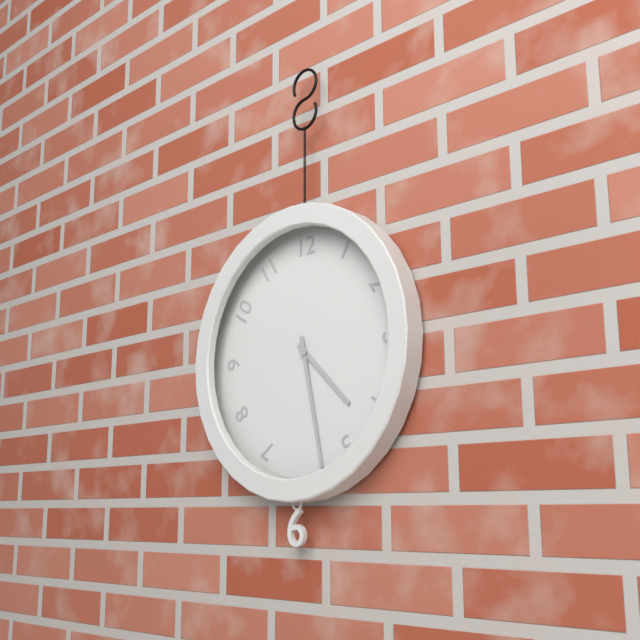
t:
4,28
